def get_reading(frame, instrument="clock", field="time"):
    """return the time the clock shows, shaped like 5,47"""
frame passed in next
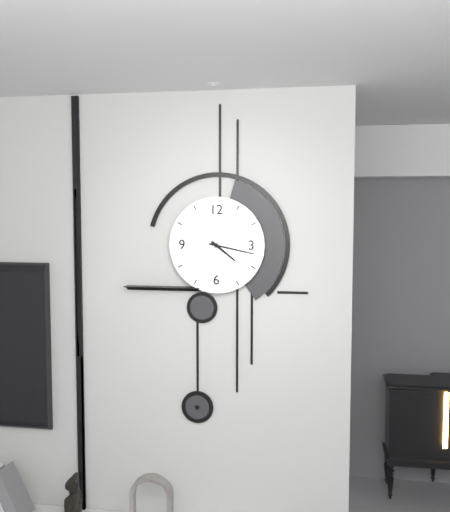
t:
4,17
